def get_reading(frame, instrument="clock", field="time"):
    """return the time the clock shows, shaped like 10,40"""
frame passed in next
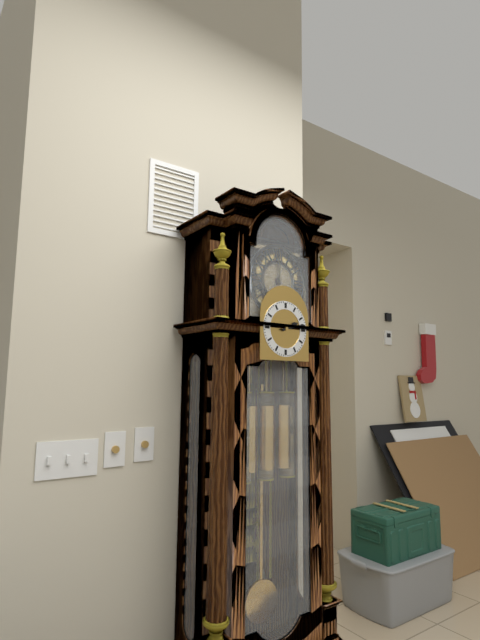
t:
2,13
